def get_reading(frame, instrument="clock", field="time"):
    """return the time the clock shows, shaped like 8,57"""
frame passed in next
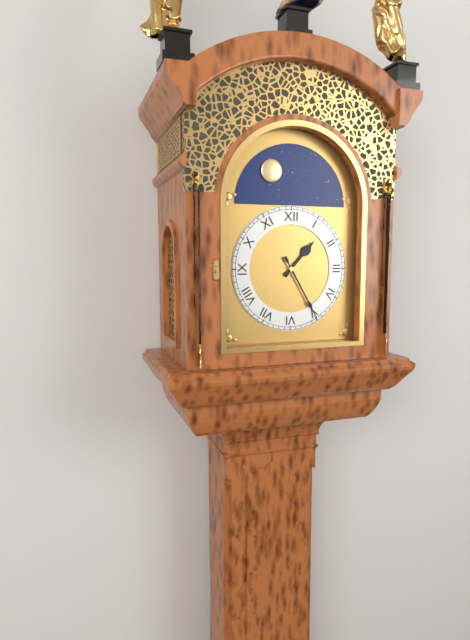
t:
1,25
